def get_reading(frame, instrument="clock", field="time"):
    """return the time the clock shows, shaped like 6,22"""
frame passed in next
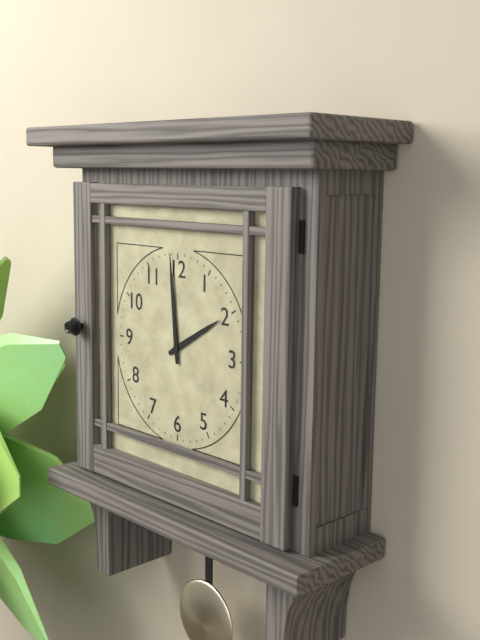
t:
1,59
